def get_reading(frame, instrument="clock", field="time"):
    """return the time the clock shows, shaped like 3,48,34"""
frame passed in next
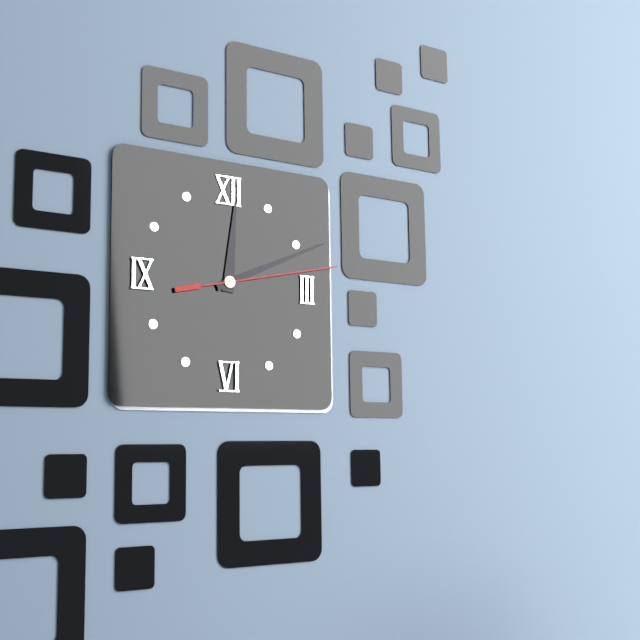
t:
12,11,13
